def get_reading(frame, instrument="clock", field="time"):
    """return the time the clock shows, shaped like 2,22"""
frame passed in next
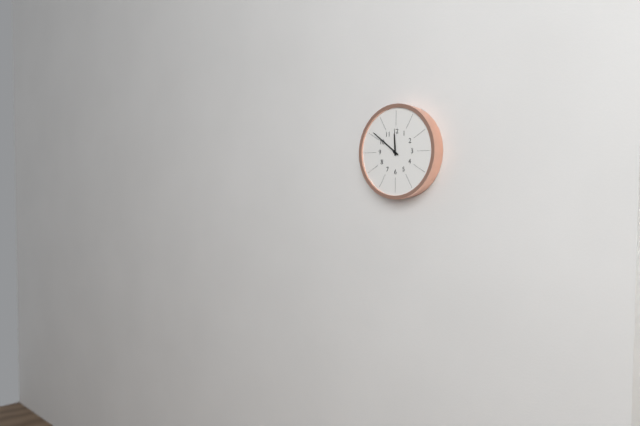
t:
11,51
